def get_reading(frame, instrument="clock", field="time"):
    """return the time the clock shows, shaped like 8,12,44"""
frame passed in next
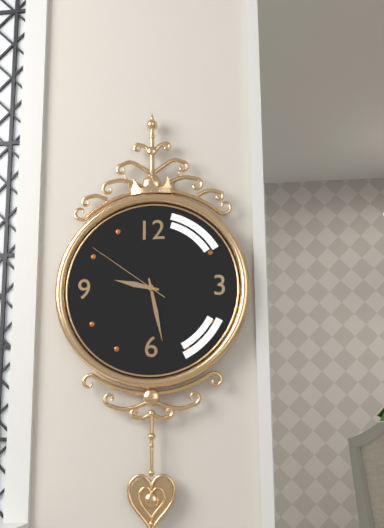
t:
9,28,51
